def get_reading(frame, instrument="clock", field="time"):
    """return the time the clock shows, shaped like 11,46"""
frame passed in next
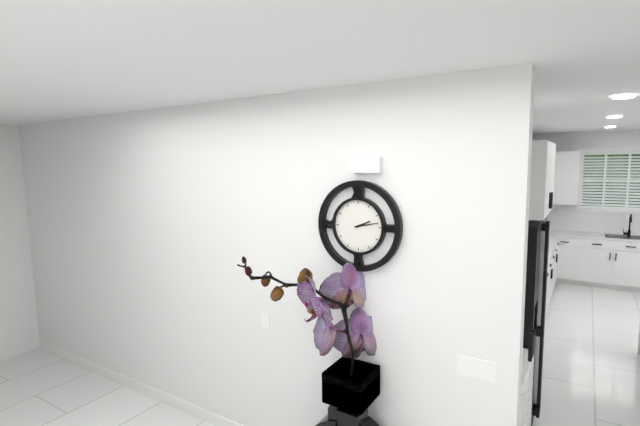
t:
2,13
